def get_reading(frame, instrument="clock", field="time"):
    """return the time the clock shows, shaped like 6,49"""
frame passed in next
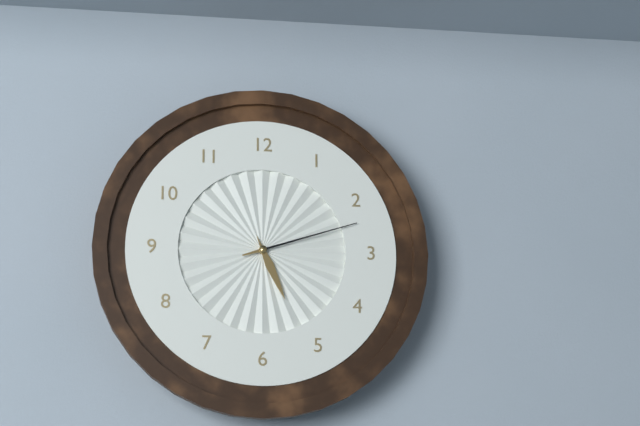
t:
5,12
